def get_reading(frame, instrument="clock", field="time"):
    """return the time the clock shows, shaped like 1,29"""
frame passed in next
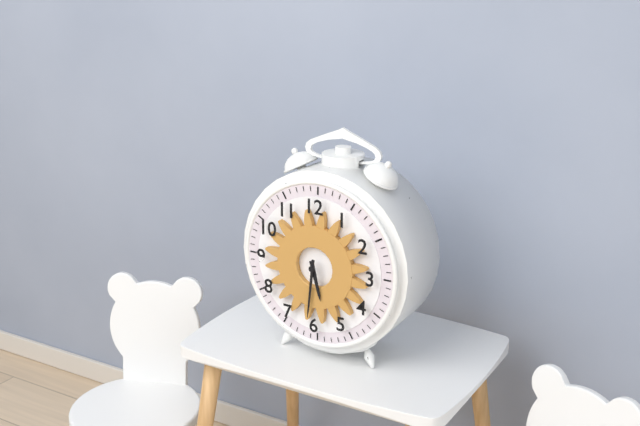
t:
5,31
